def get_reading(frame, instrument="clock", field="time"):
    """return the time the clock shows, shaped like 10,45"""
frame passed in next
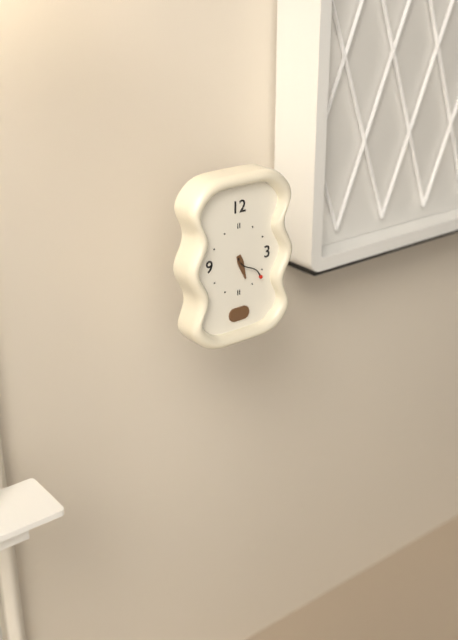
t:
5,22
